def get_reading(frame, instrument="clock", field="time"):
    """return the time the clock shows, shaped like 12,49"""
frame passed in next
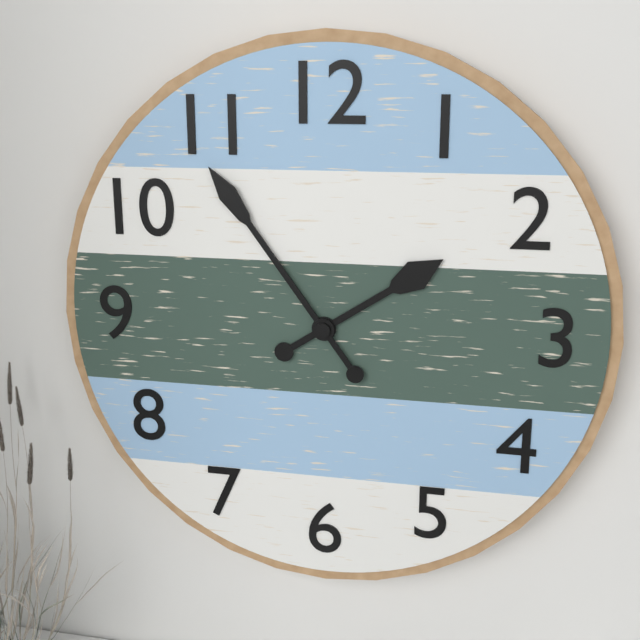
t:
1,54
